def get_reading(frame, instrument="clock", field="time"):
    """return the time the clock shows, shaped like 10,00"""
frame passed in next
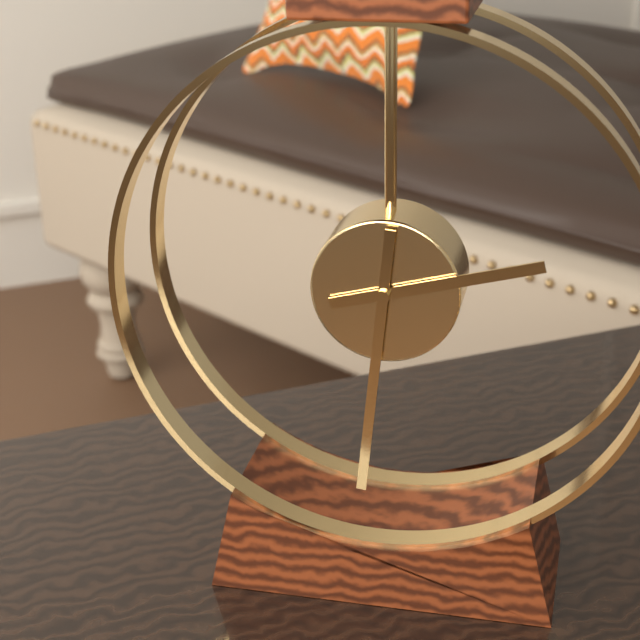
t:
2,31
